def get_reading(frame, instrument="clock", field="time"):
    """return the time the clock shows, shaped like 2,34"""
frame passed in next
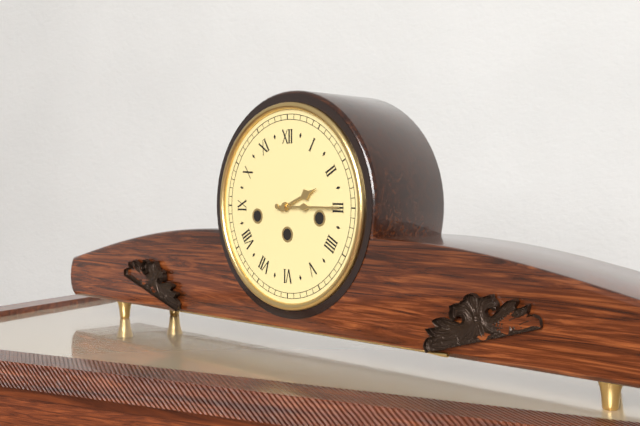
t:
2,15
